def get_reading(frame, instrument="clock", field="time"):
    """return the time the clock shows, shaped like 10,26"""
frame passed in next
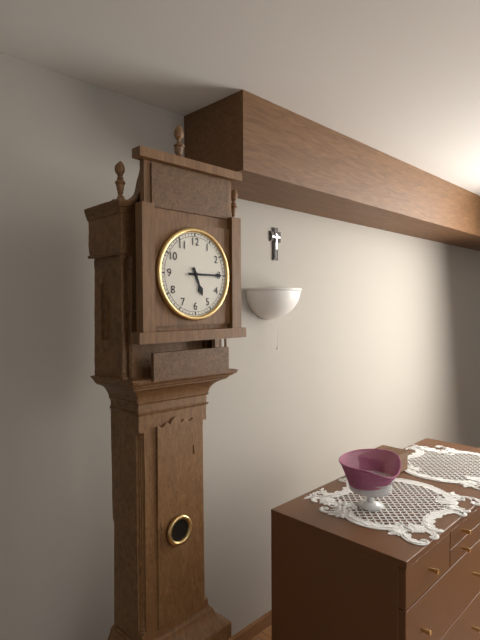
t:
5,15
